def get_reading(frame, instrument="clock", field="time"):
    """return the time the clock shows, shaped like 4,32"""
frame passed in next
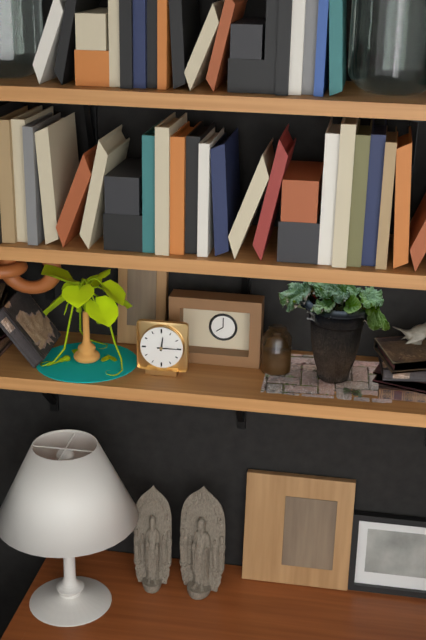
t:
12,15
